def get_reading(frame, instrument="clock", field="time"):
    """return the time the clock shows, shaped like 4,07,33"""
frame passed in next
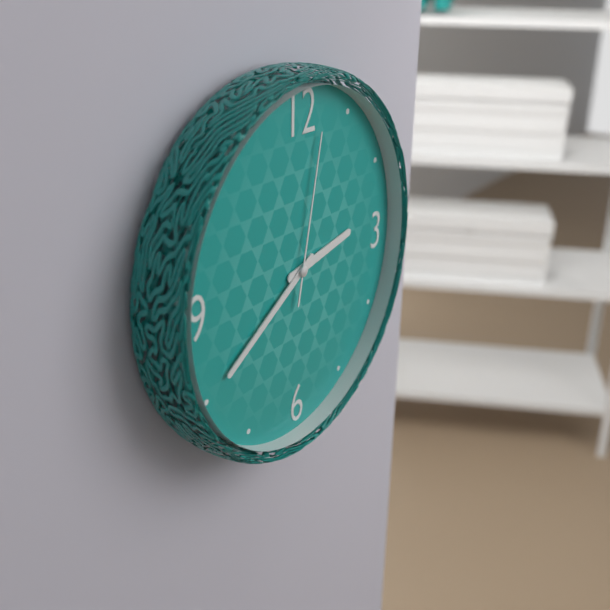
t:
2,40,02
